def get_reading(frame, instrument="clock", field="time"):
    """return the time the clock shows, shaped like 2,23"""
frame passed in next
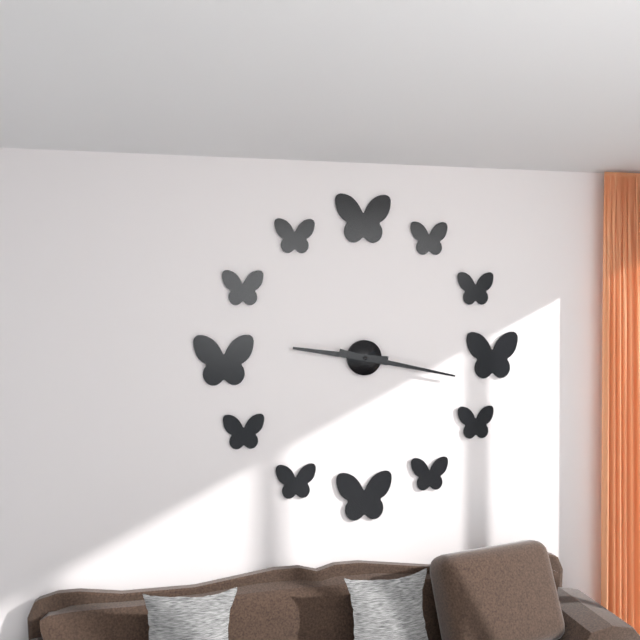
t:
9,17
